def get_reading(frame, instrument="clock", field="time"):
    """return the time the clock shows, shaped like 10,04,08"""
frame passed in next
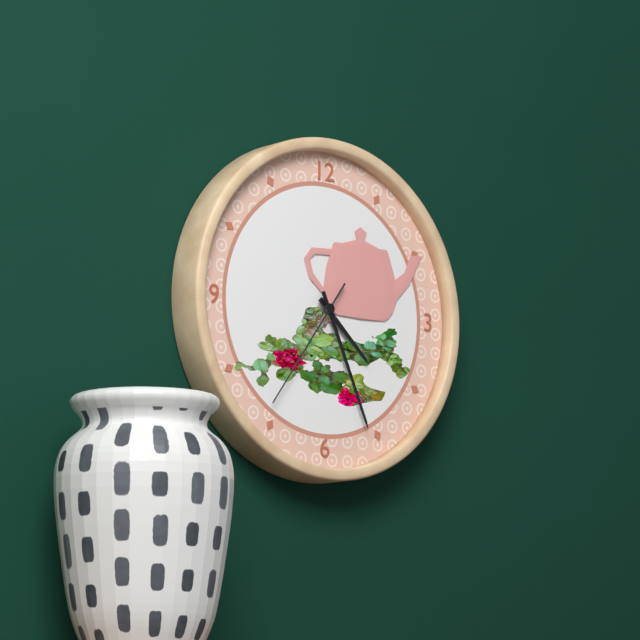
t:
4,26,36
